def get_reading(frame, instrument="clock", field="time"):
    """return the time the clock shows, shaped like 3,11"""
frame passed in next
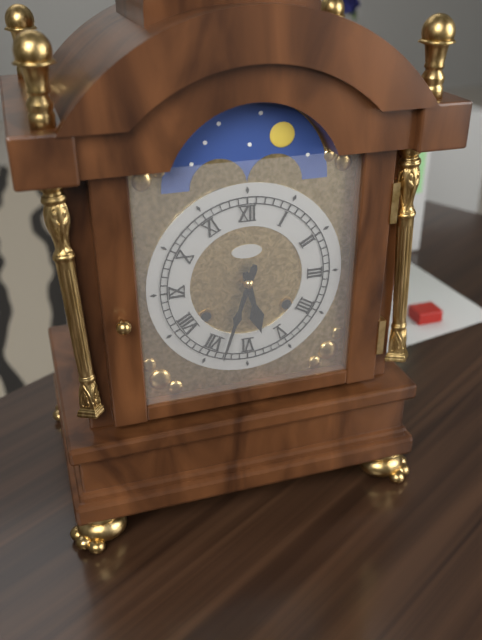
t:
5,33
